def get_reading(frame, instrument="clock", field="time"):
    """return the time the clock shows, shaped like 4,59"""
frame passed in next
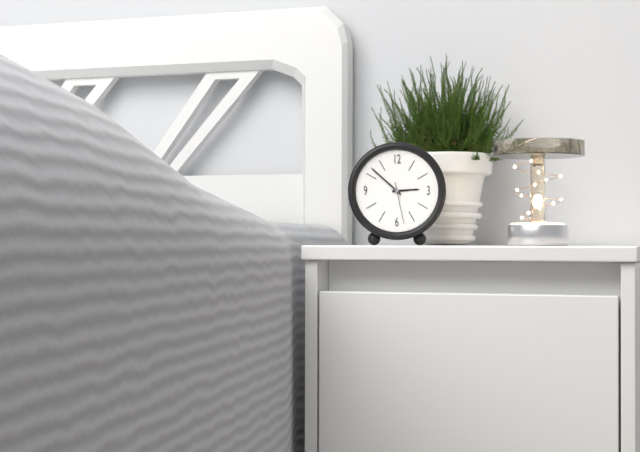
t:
2,52
